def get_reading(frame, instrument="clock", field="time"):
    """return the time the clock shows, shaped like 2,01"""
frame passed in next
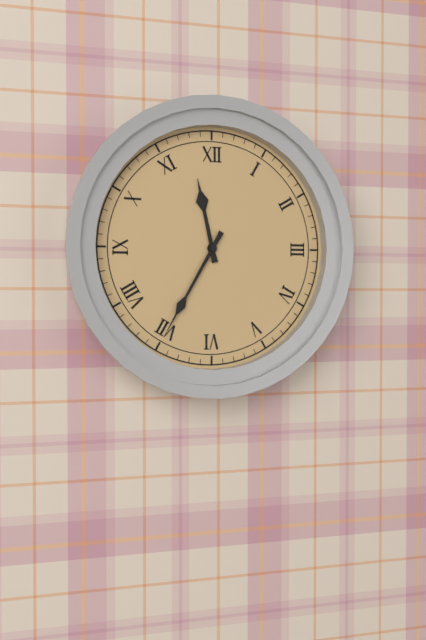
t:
11,35
